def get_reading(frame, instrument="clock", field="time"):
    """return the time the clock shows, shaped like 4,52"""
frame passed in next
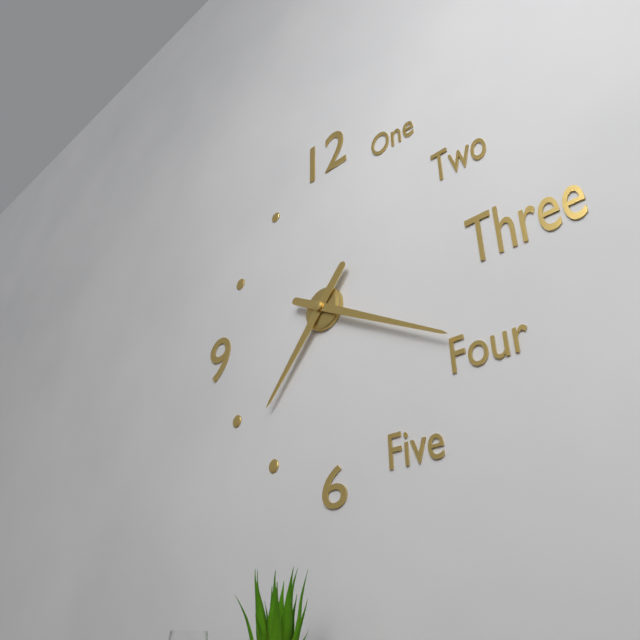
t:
7,20
